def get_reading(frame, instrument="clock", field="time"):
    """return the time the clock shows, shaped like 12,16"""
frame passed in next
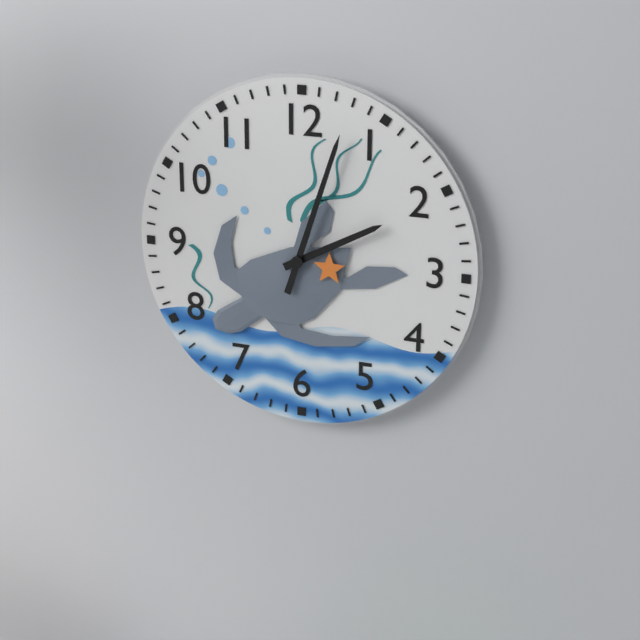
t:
2,03
